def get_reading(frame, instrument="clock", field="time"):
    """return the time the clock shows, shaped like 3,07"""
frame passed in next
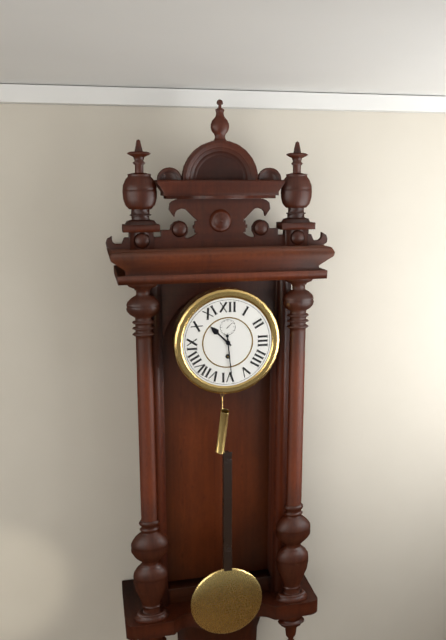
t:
10,29
